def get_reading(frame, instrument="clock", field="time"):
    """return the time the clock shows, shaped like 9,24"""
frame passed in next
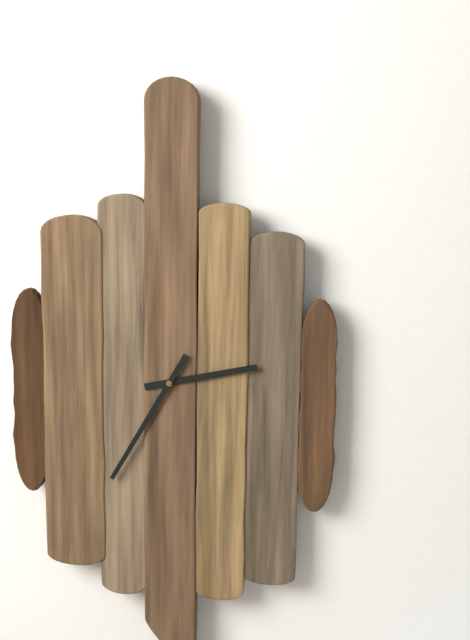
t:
2,35
